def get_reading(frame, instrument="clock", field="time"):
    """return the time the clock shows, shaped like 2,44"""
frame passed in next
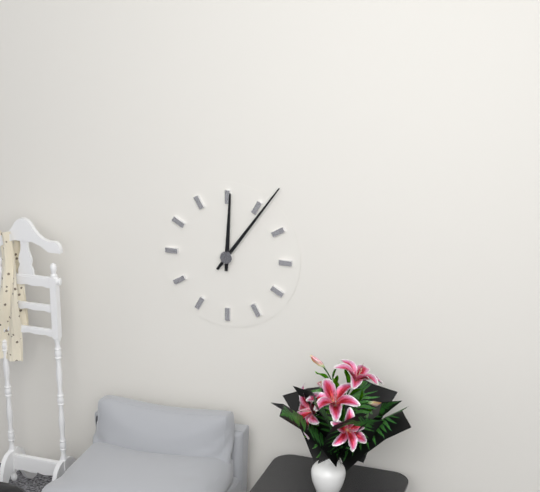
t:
12,06
